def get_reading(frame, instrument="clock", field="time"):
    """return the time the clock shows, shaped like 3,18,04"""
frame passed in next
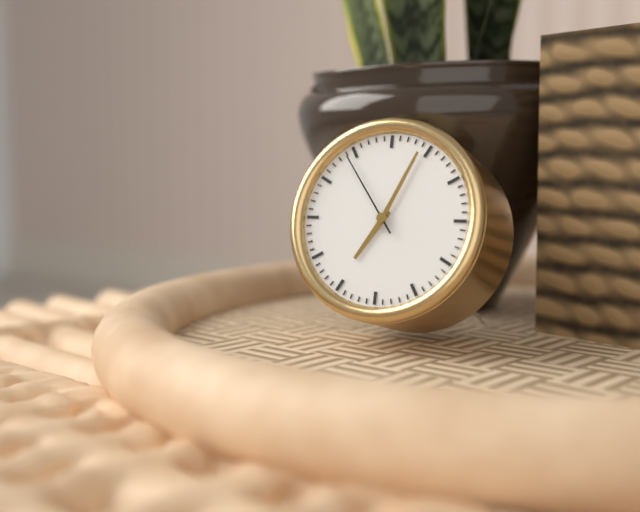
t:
7,04,54
